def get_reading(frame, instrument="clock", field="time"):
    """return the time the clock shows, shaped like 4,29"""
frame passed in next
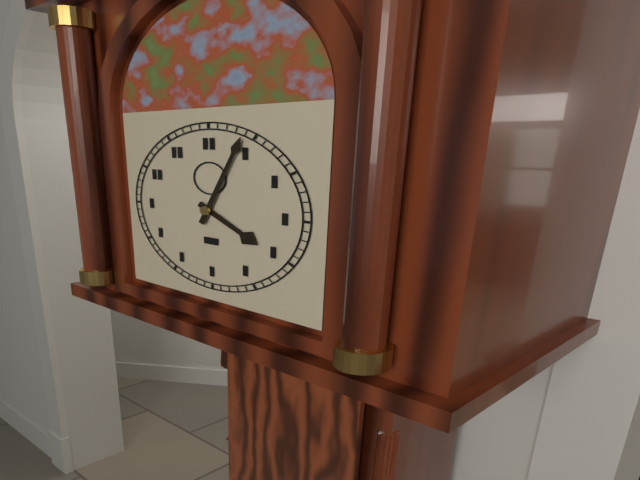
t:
4,04
